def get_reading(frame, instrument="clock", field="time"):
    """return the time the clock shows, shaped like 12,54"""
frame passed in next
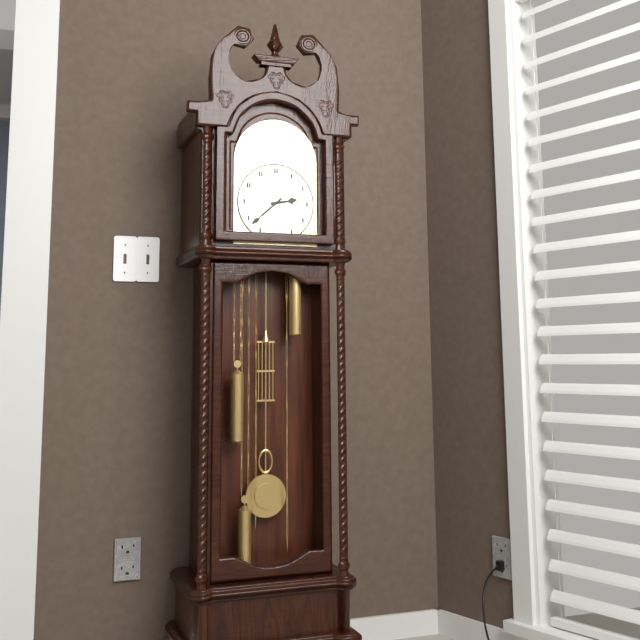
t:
2,38
